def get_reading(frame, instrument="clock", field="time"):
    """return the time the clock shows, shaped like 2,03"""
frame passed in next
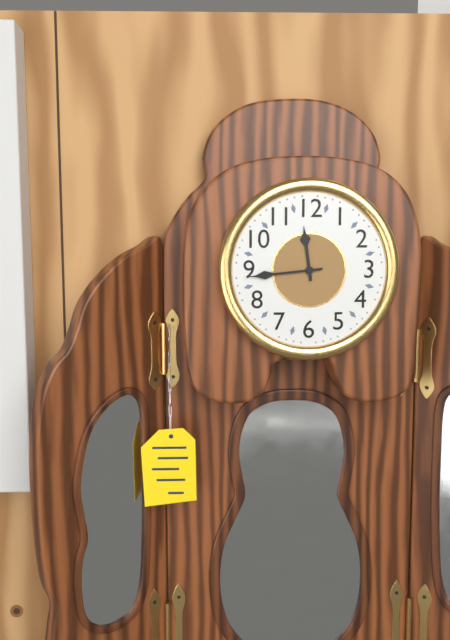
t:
11,44
